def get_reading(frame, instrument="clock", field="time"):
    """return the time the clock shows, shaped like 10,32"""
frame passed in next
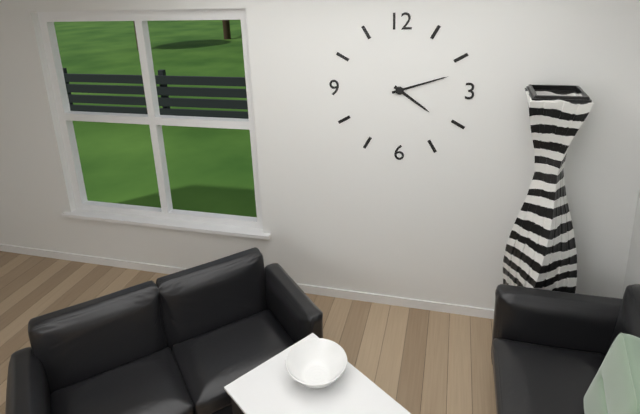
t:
4,12
